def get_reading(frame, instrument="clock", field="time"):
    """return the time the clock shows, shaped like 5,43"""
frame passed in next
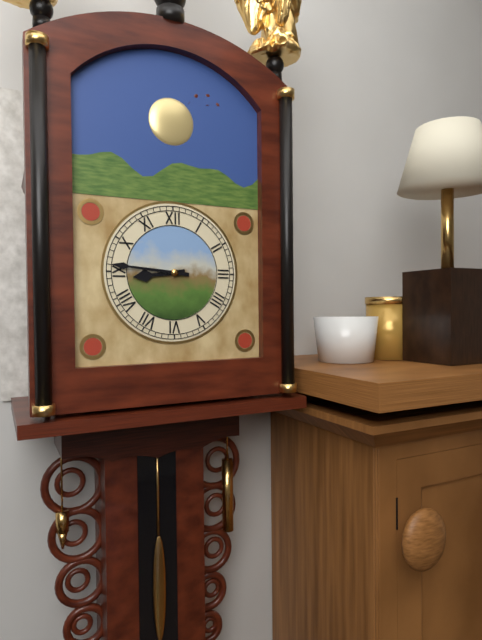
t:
8,46
